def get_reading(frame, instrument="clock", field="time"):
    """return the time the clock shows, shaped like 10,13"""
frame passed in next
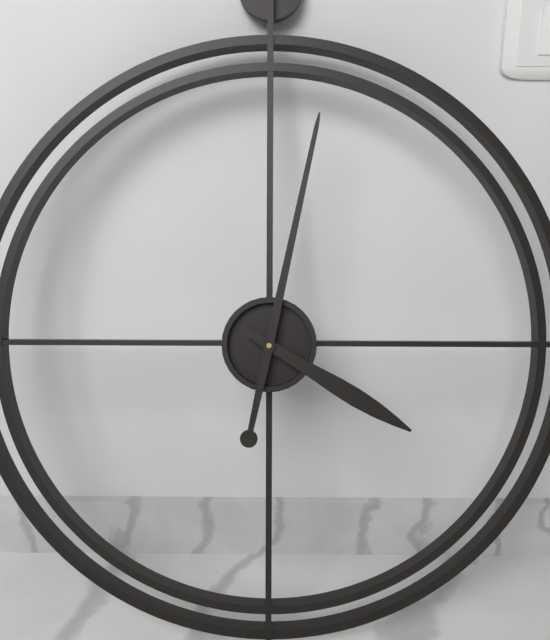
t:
4,02
